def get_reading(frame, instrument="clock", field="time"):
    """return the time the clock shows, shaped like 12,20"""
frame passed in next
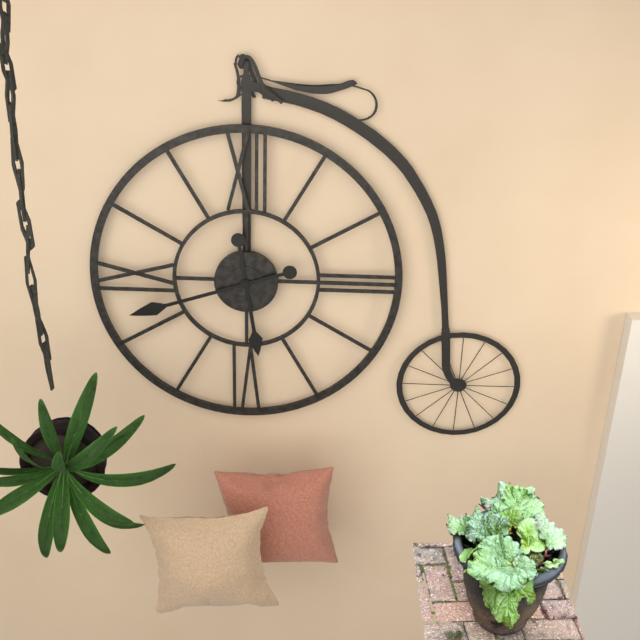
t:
5,42
